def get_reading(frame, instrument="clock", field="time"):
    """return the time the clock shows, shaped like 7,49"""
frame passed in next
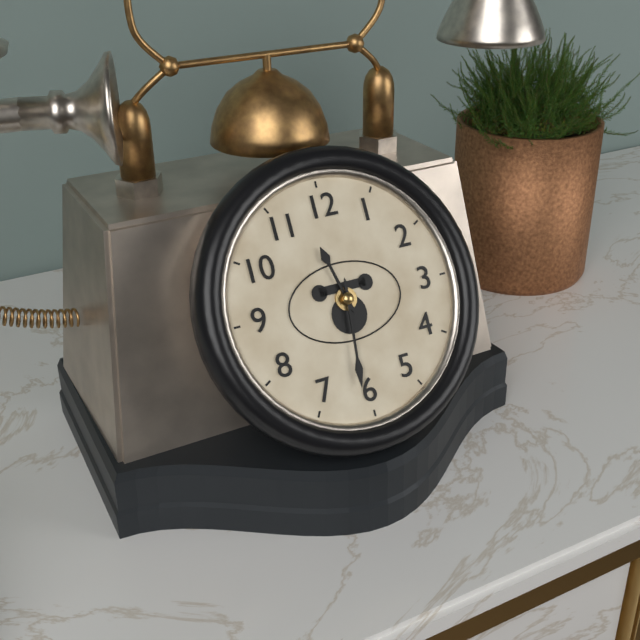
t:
11,31
